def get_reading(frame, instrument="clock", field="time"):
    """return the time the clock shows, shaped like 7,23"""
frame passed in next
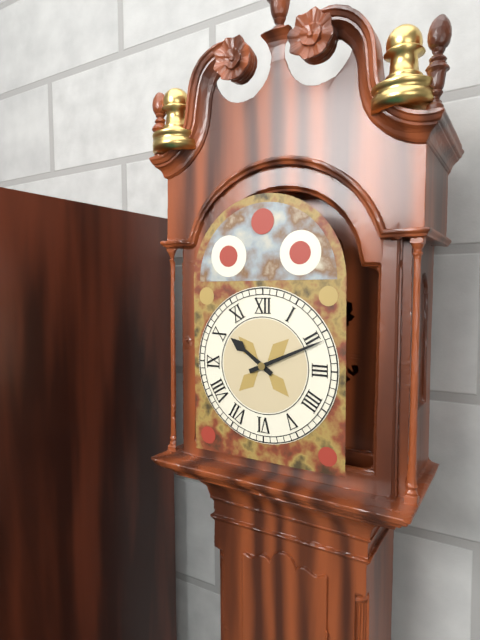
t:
10,11
